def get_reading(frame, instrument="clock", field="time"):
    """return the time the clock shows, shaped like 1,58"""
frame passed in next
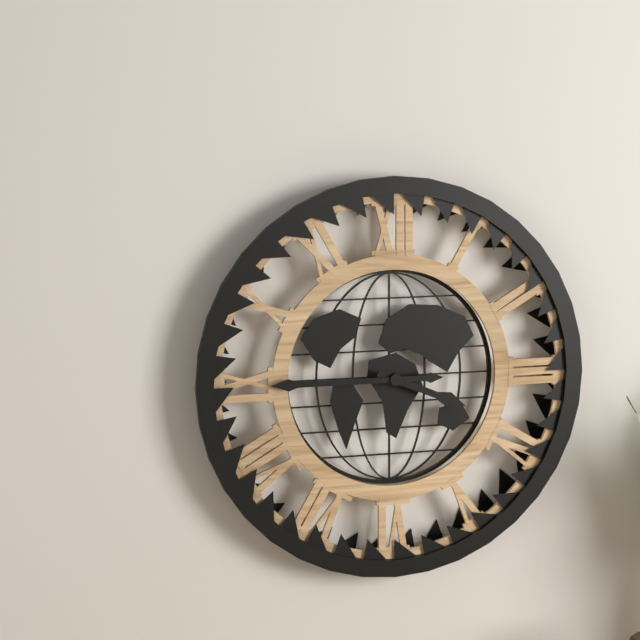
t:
3,45
